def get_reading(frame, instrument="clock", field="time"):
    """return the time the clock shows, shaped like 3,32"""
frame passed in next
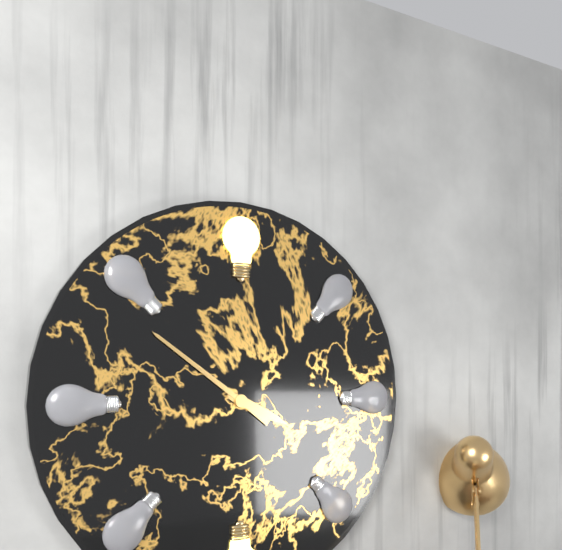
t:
3,51
